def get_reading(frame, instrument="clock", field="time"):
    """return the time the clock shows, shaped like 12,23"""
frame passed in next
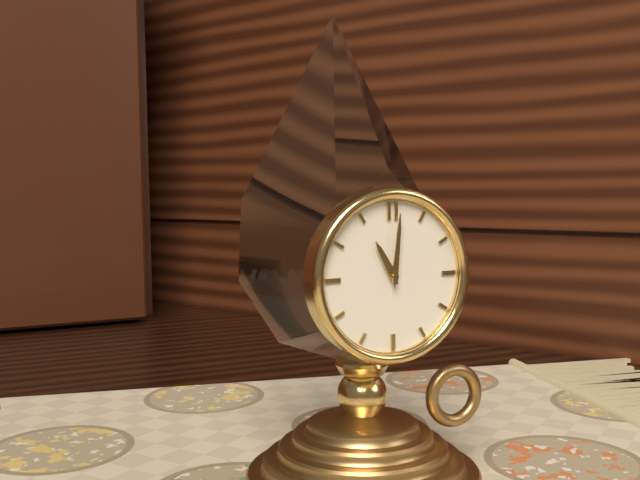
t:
11,01
